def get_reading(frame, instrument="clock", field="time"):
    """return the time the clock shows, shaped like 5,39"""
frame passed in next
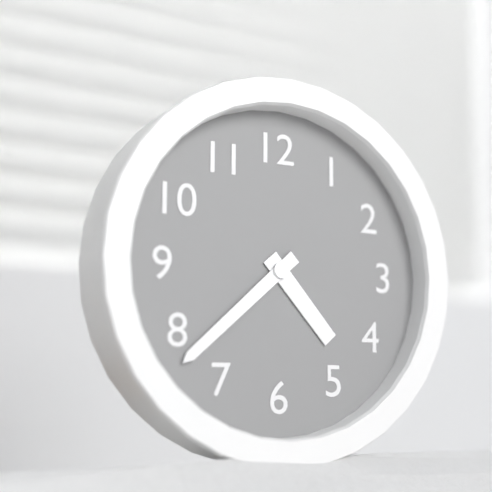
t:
4,38
